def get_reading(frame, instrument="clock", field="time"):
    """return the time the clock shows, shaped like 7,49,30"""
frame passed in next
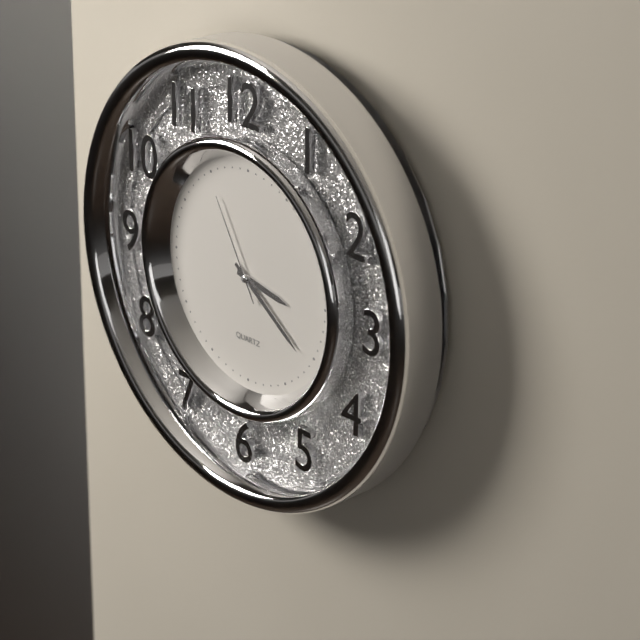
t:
3,21,55
